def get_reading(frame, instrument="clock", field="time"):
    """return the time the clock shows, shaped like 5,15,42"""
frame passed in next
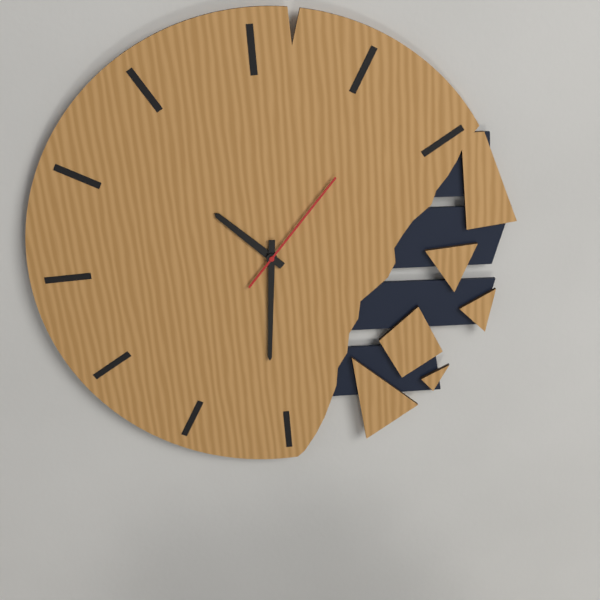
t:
10,31,07
